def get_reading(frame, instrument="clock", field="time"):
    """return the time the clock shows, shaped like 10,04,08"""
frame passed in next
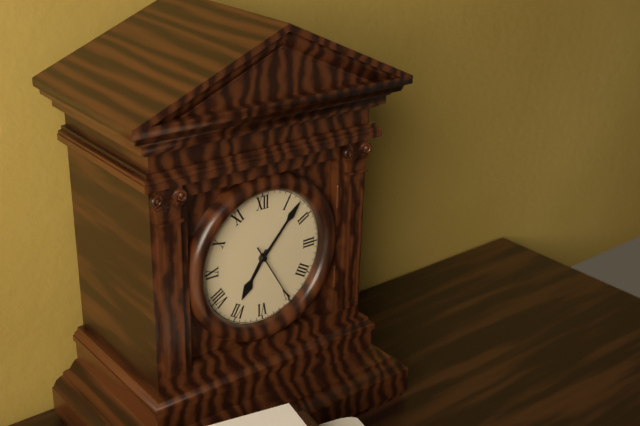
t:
7,07,25
